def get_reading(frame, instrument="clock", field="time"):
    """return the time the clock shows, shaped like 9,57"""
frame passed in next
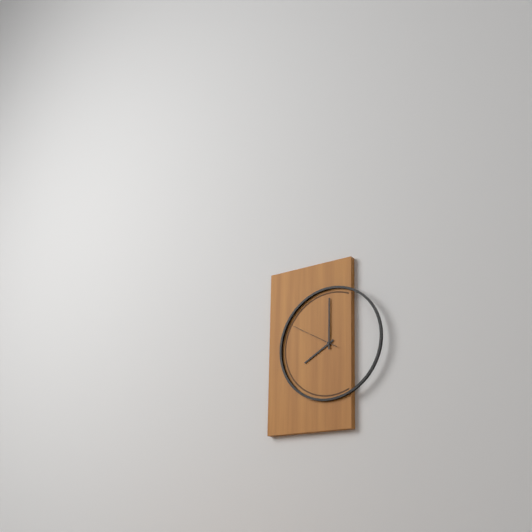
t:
8,00
